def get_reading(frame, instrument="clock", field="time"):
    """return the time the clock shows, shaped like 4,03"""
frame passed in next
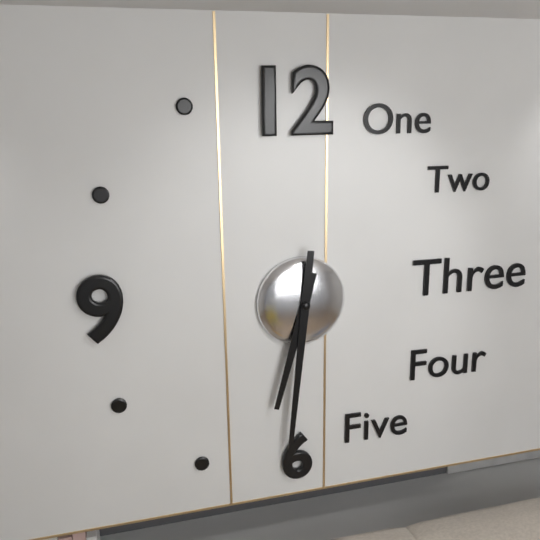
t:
6,31
